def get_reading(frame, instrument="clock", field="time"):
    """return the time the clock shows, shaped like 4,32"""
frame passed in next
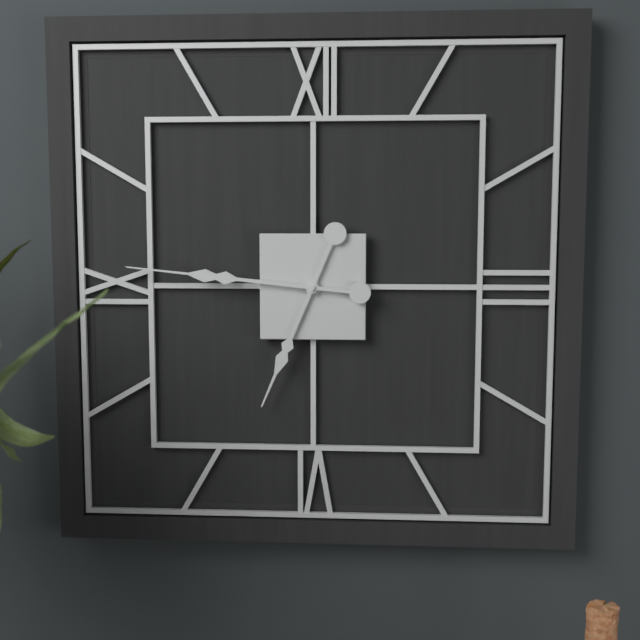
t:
6,46
